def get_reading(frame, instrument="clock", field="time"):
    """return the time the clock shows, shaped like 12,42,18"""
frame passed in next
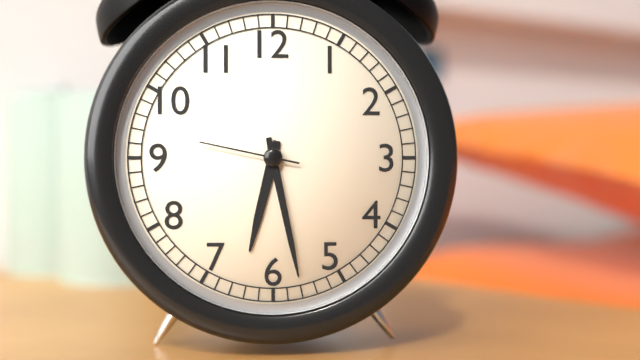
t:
6,28,47
